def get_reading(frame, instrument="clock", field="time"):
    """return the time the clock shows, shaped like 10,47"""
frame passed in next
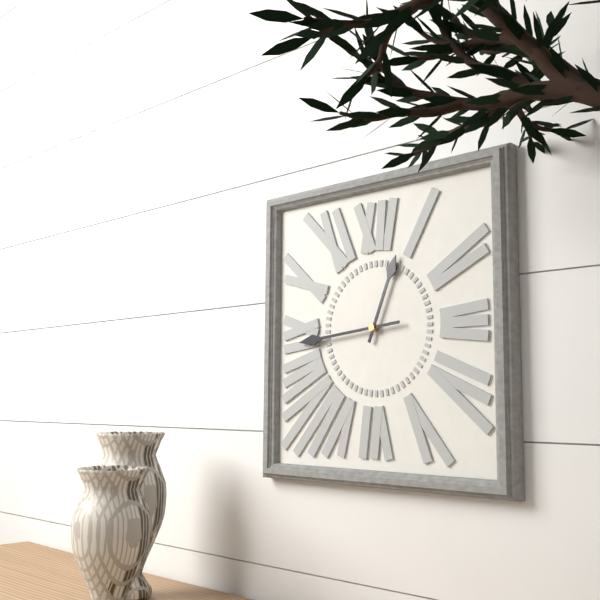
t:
12,44
